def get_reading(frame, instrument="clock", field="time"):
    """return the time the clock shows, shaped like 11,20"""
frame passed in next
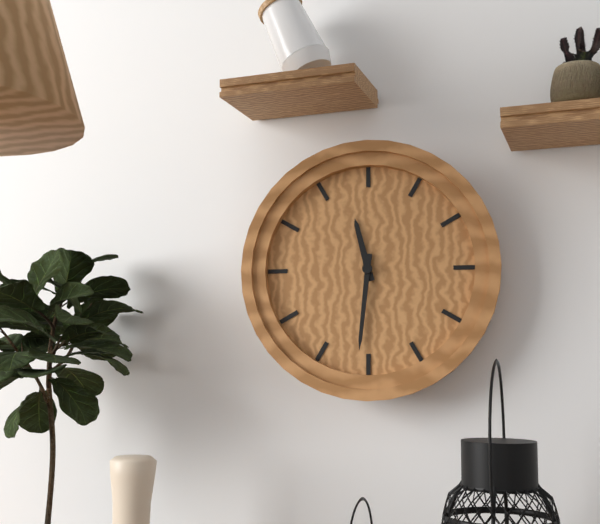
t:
11,31
